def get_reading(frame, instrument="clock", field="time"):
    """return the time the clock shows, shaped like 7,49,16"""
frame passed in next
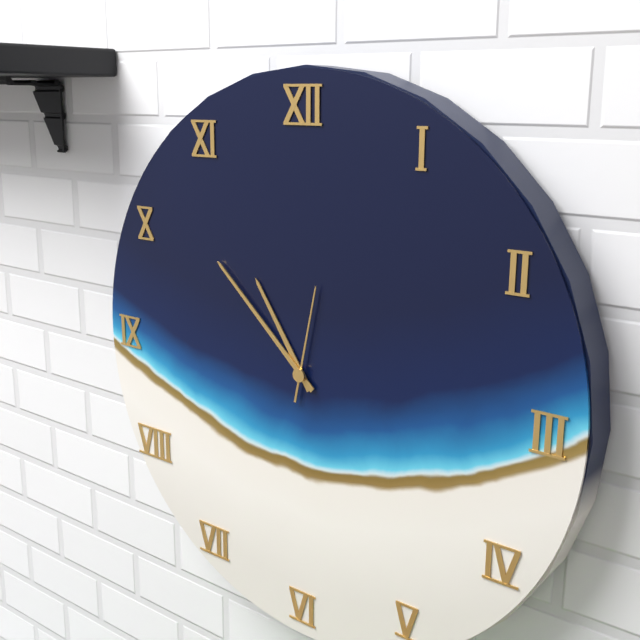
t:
10,52,02
